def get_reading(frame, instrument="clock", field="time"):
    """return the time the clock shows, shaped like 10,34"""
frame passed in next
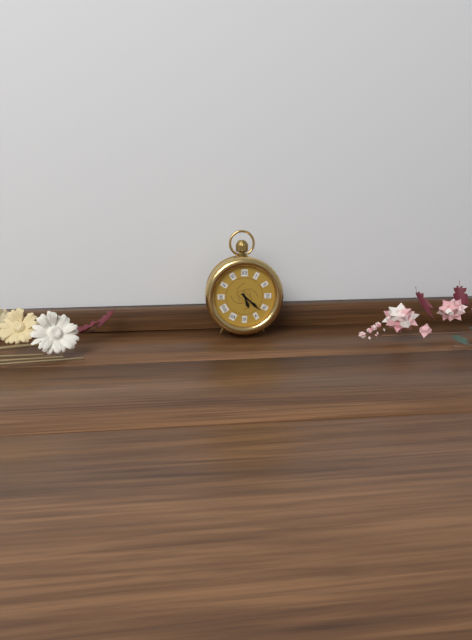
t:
5,22
